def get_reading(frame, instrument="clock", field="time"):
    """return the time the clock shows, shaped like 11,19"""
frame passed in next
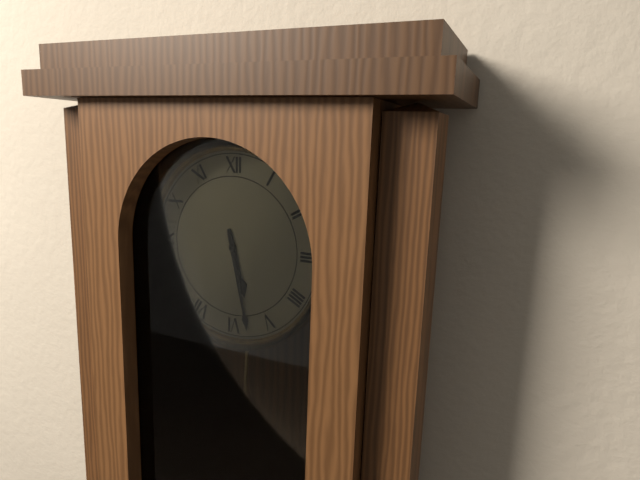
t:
5,28
